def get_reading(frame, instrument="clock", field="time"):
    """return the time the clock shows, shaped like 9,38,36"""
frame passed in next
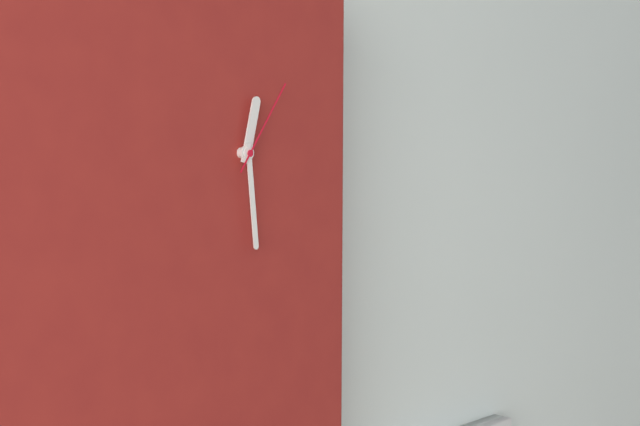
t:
12,29,06
